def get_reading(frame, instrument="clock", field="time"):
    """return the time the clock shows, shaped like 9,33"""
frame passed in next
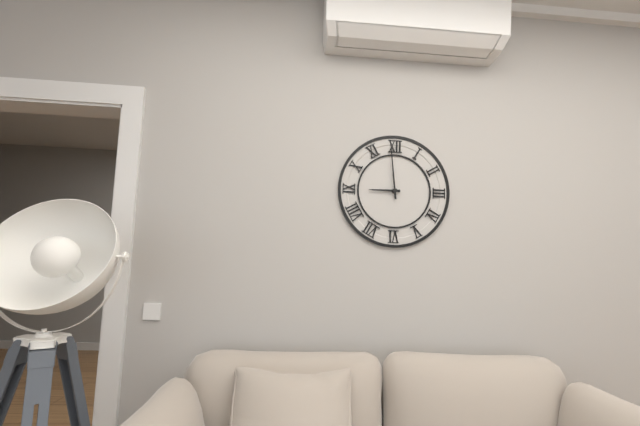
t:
8,59
